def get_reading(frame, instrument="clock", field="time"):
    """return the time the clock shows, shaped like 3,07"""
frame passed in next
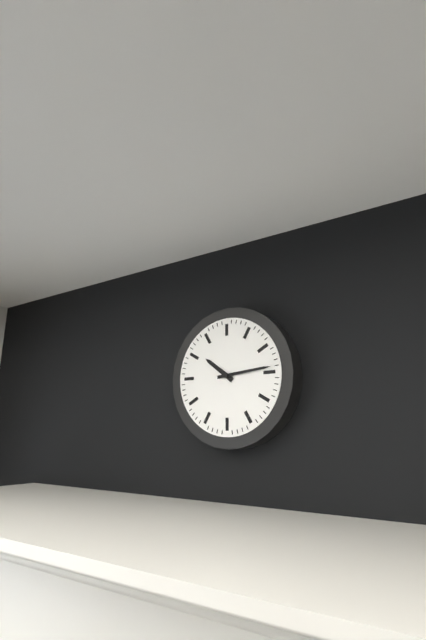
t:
10,14
